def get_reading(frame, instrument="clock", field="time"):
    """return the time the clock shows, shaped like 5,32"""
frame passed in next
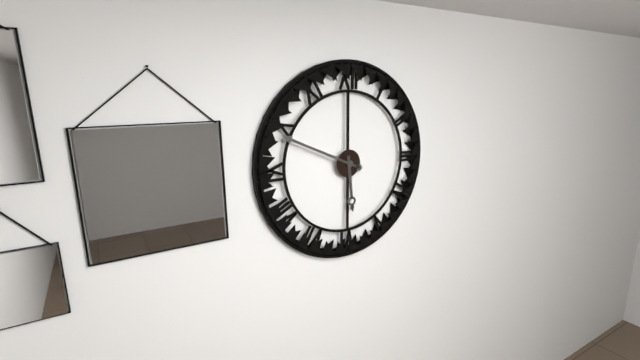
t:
5,49
